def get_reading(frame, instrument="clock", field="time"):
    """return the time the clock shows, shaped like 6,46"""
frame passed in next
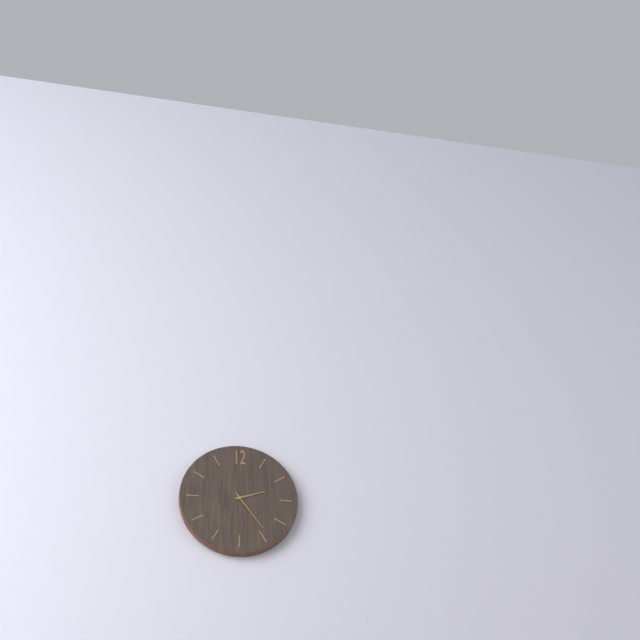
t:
2,24
